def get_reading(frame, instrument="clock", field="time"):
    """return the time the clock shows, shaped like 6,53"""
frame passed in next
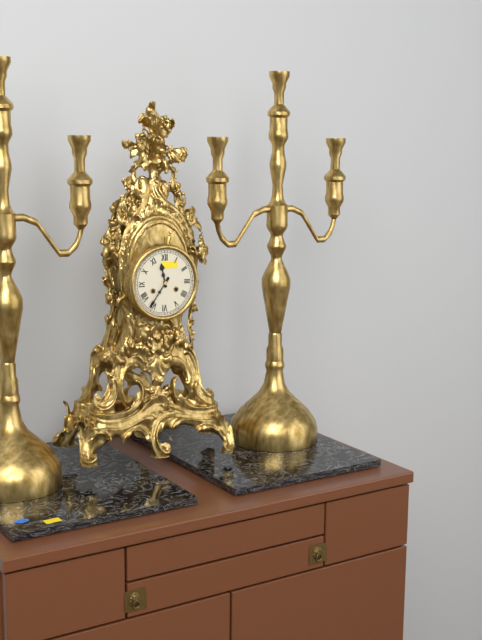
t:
11,36
